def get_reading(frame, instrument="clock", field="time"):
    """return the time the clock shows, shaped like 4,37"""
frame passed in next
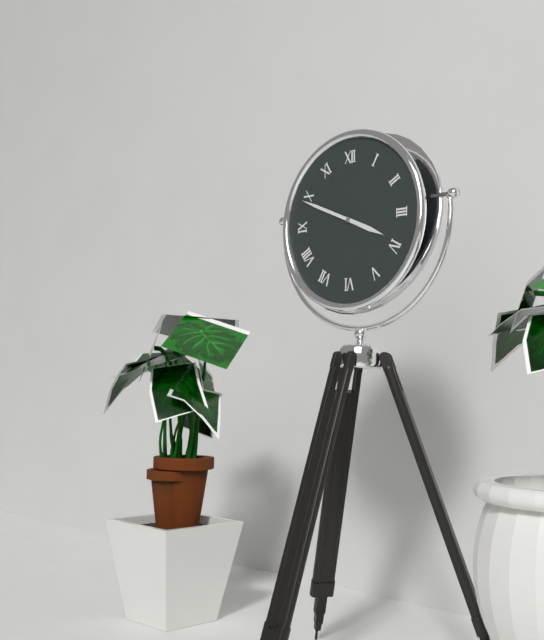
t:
3,49
